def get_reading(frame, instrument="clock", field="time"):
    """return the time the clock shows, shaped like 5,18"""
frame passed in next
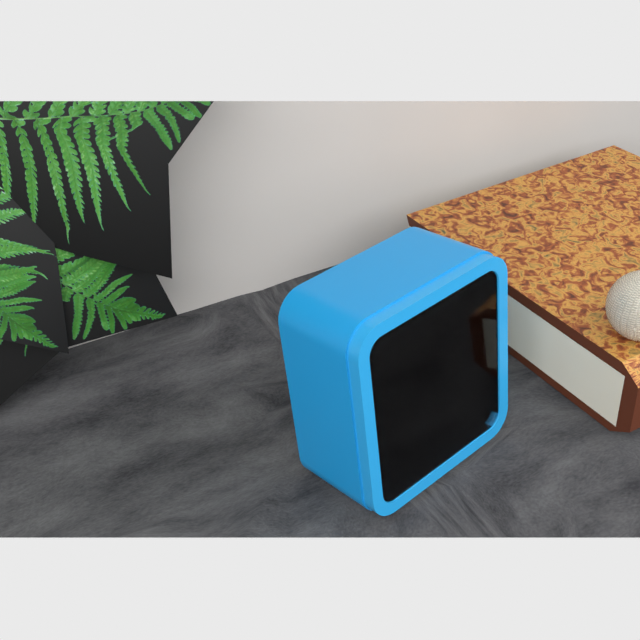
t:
7,23
